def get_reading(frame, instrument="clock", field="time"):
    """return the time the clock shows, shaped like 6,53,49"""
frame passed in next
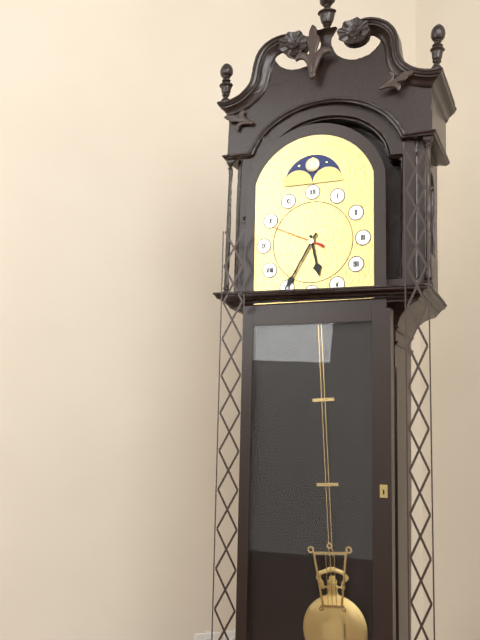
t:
5,35,49
